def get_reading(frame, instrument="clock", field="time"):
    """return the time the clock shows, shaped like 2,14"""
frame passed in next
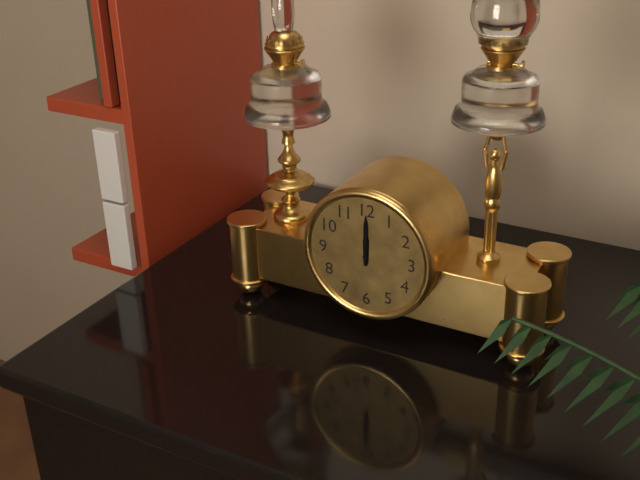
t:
12,00
